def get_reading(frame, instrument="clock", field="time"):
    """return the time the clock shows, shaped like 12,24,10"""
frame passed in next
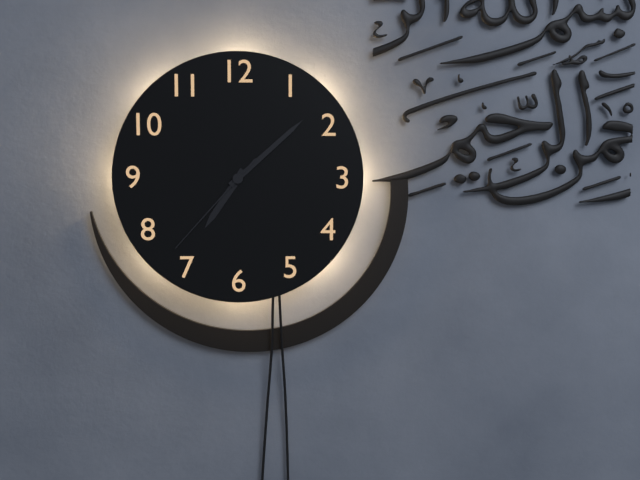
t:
7,08,37
